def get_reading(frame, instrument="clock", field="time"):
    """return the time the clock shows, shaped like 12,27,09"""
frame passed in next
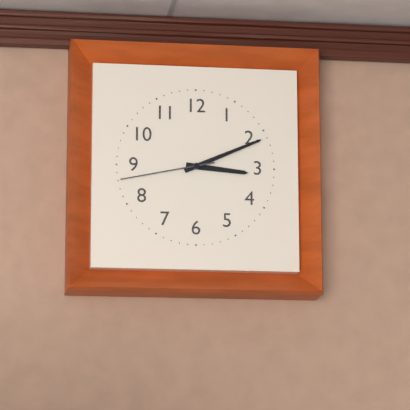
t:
3,11,43
